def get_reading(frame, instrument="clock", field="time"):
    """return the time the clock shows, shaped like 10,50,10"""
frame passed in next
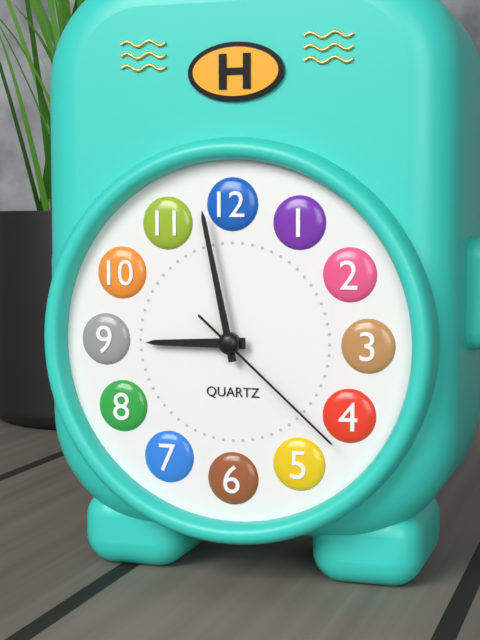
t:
8,58,22
